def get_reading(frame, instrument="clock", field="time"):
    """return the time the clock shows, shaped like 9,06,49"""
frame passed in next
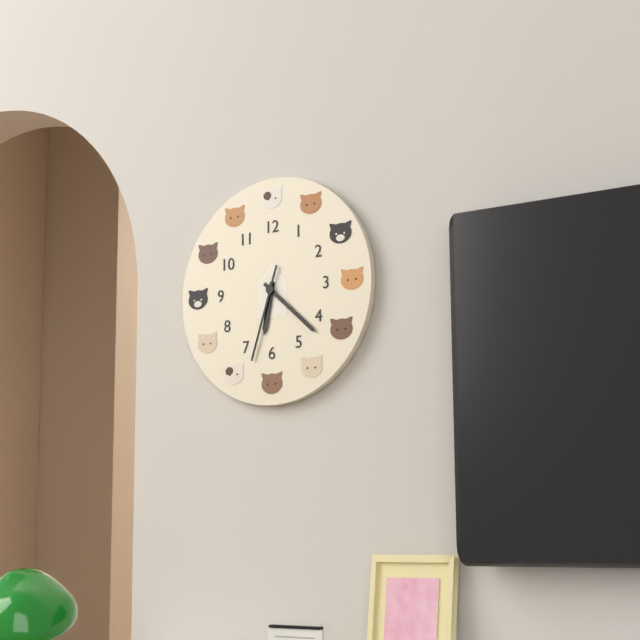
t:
6,22,33
